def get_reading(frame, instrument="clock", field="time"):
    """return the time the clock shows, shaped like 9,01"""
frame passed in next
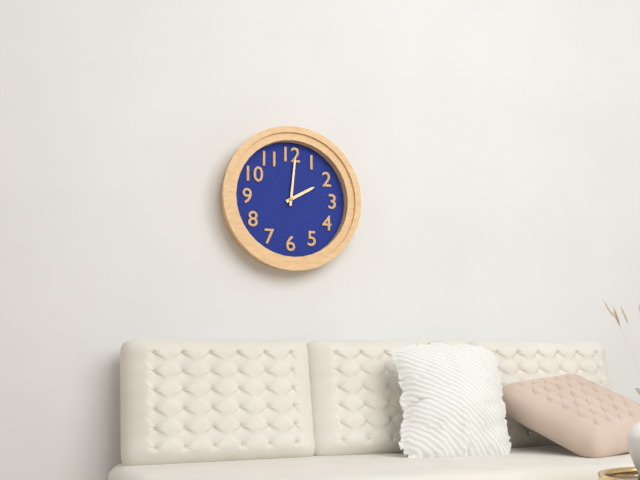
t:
2,01
